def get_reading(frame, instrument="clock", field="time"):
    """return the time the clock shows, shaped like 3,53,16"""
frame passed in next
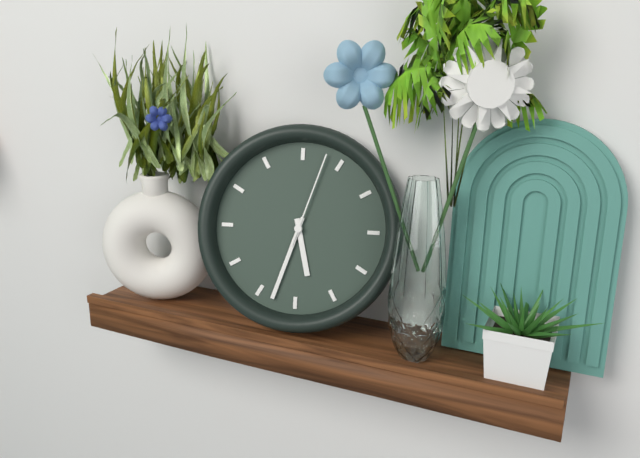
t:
5,33,03
